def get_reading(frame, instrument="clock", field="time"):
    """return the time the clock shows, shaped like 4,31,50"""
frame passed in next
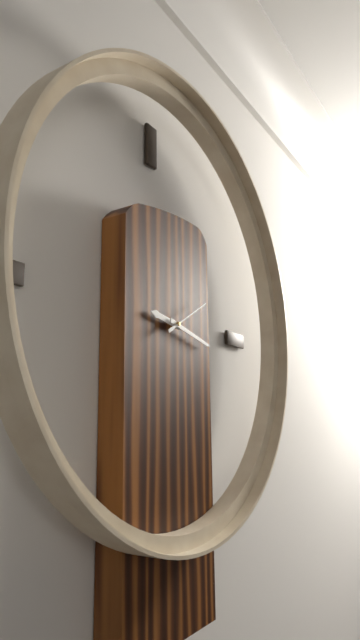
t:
9,17,10
